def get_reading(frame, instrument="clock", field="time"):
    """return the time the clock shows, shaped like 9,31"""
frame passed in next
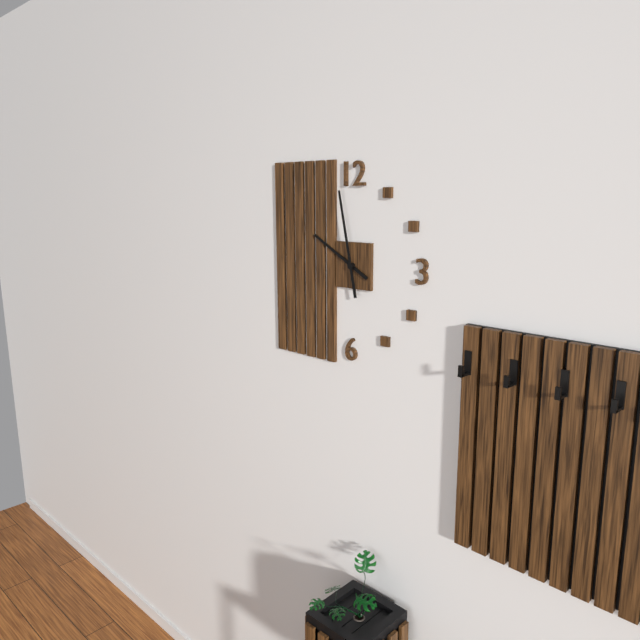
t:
9,58
